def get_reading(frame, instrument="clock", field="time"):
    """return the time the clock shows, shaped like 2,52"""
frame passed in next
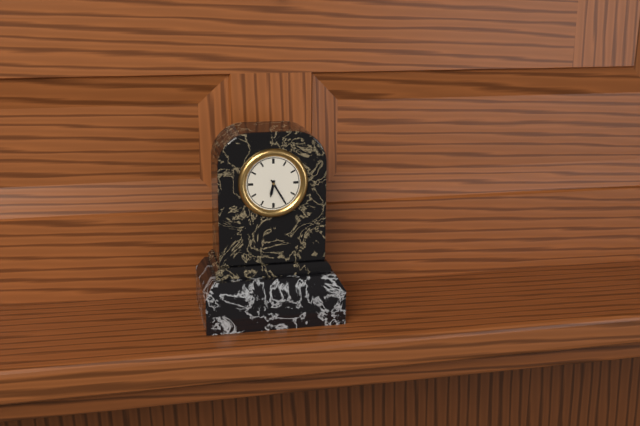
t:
6,25
